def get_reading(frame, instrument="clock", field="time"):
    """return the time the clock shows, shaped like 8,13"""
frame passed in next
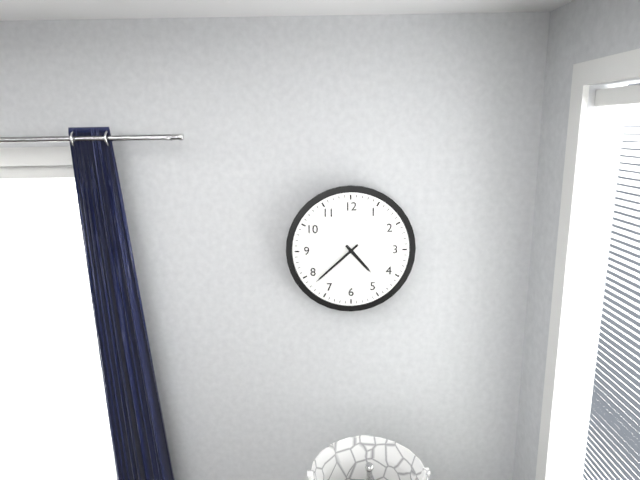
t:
4,38
